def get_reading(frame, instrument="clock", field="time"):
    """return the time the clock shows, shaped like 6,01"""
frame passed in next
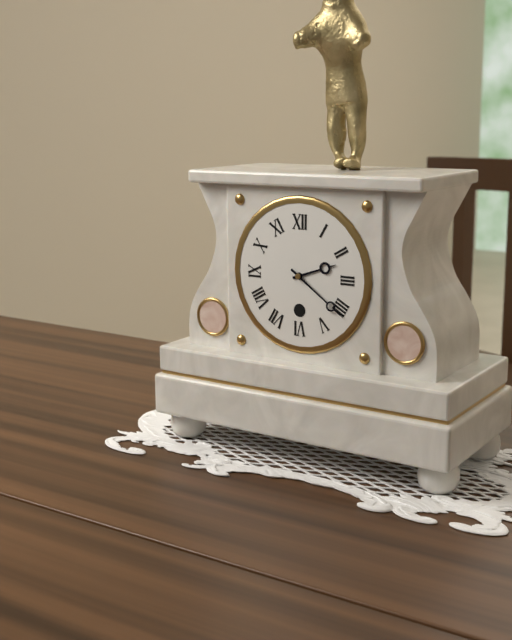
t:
2,21
